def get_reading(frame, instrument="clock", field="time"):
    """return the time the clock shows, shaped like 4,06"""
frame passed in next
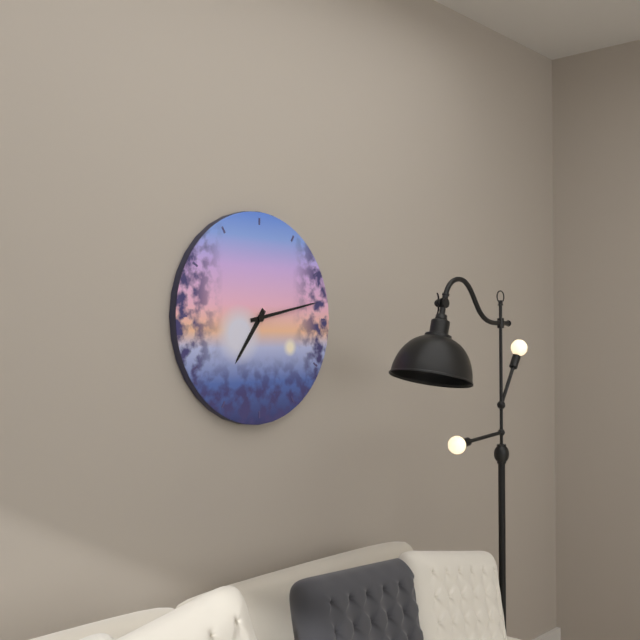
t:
7,13
